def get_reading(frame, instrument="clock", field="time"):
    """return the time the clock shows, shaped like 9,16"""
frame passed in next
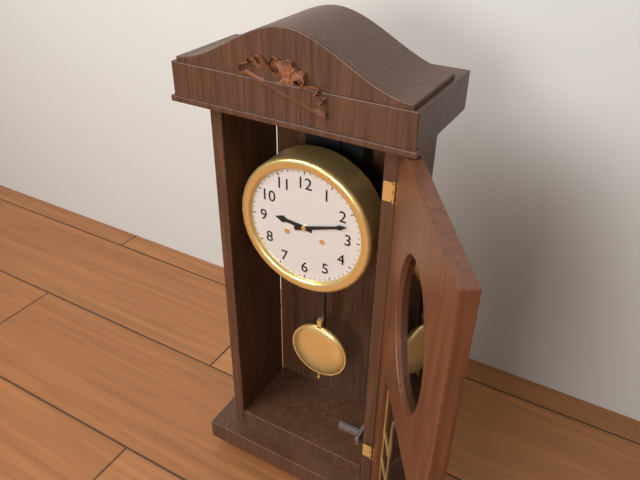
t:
9,12
